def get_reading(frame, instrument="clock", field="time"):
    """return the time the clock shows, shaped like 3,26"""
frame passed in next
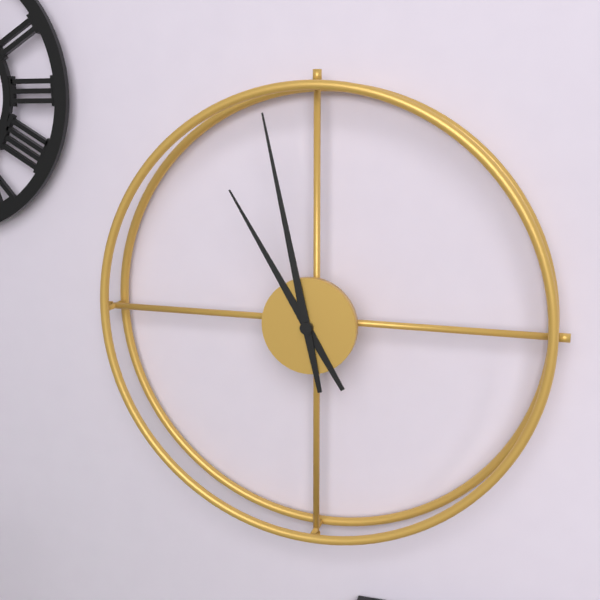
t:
10,58
